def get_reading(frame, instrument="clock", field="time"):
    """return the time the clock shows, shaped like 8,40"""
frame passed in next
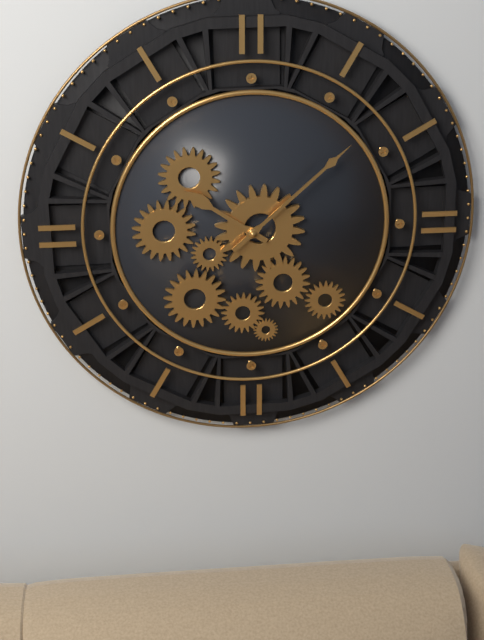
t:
10,08
